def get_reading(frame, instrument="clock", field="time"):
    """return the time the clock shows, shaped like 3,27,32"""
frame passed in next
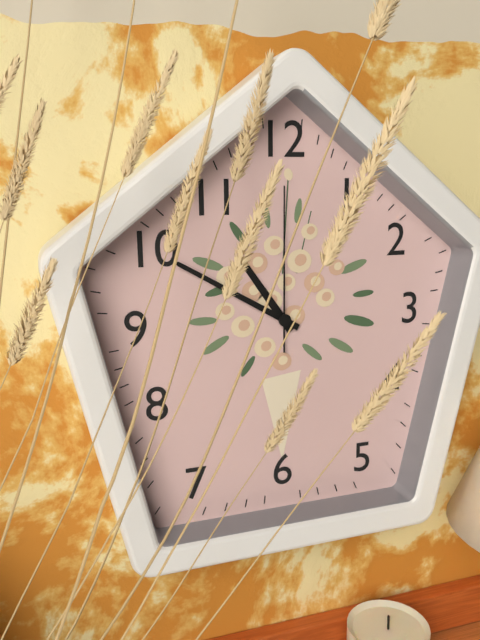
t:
10,50,00
